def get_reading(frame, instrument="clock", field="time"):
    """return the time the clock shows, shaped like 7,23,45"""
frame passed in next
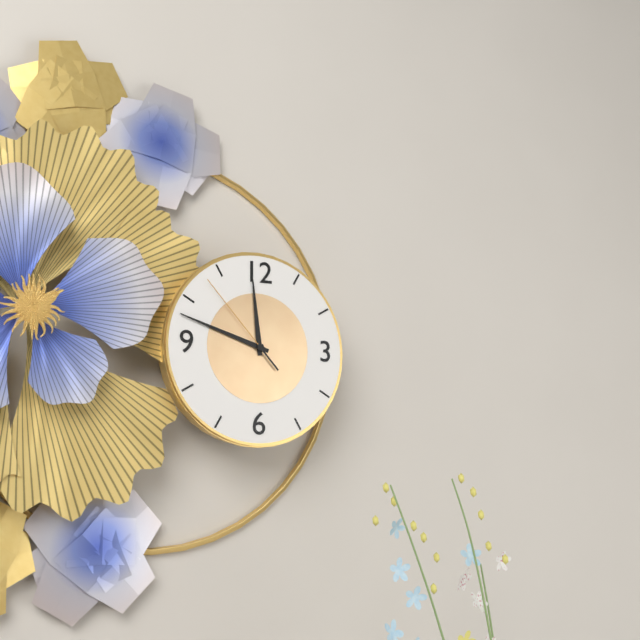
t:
11,48,53
